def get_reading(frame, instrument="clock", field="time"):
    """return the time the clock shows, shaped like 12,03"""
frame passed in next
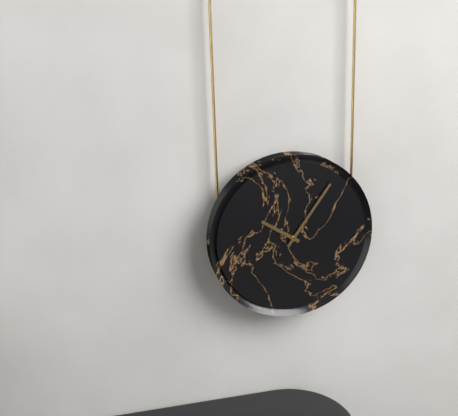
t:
10,06
